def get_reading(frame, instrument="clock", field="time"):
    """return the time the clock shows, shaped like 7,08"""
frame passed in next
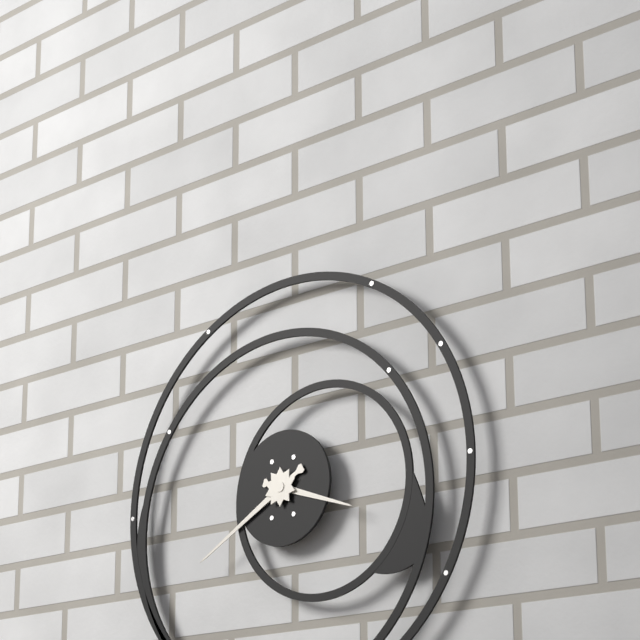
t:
3,40
